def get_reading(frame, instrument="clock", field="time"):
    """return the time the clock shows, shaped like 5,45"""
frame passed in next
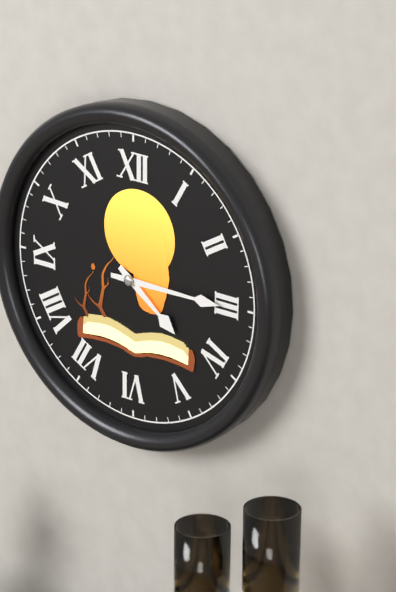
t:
4,15
